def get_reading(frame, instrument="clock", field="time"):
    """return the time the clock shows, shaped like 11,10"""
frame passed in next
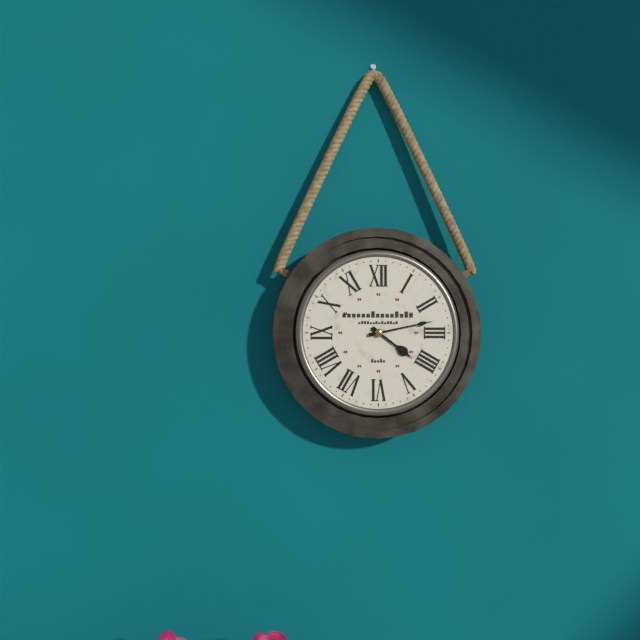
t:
4,13
